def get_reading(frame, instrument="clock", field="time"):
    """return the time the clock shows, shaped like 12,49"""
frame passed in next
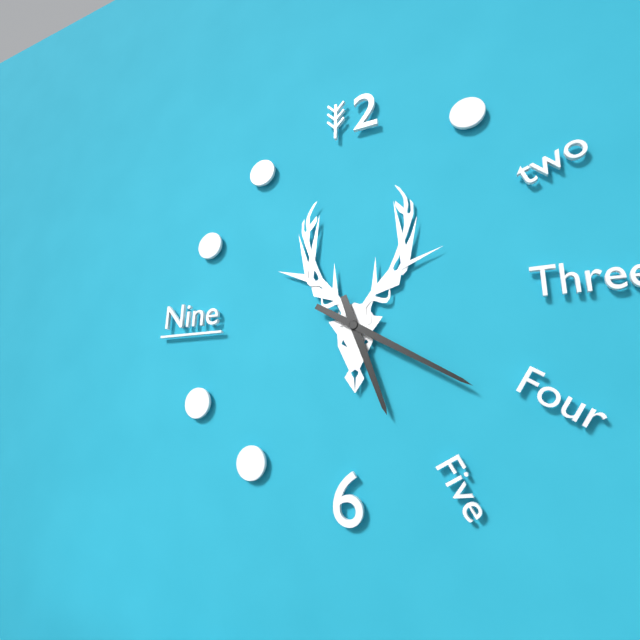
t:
5,20
